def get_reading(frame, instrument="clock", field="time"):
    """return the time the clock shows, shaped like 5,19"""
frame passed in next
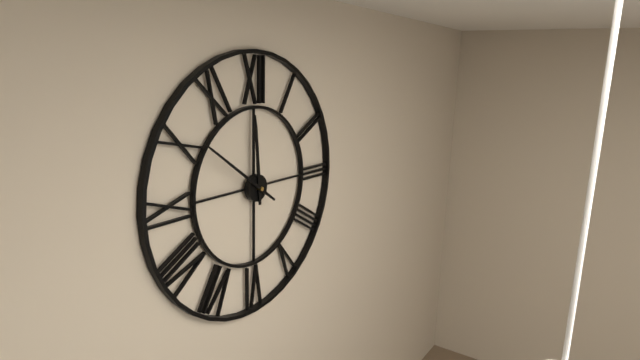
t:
11,51
